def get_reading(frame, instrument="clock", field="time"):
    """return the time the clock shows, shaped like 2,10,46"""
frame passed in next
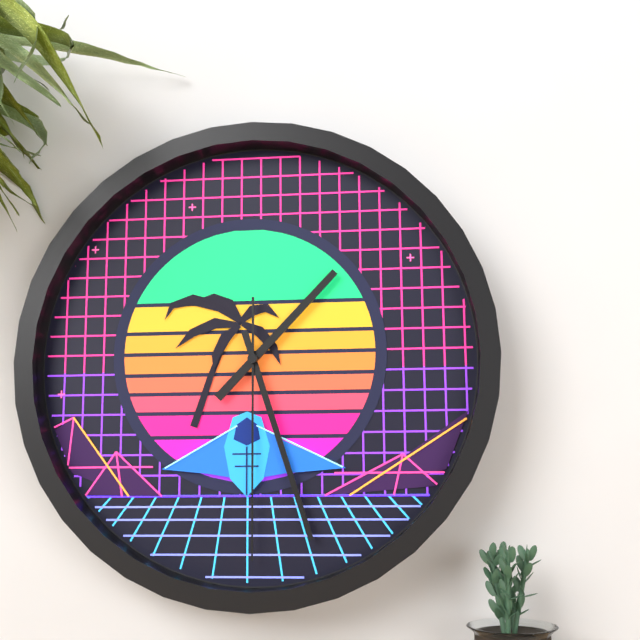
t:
1,27,30
